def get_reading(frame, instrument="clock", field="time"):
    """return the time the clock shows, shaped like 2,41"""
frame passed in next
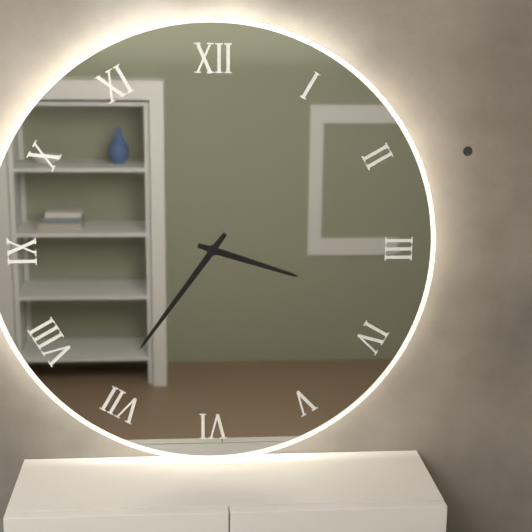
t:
3,36
